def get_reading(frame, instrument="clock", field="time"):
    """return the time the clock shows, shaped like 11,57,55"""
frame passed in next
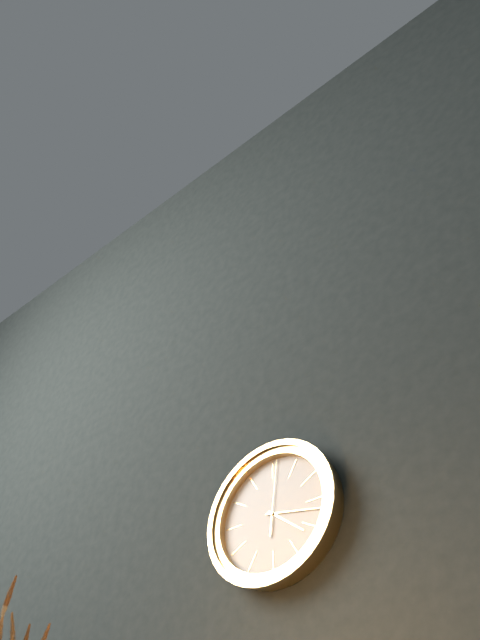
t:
4,17,01
